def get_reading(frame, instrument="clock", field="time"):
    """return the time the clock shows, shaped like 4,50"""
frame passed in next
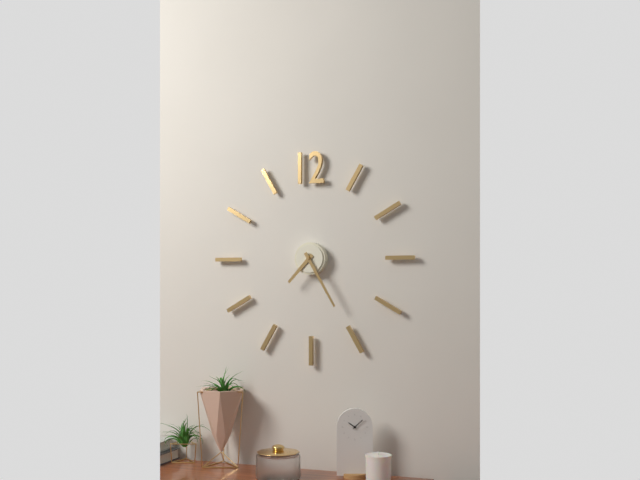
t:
7,25
